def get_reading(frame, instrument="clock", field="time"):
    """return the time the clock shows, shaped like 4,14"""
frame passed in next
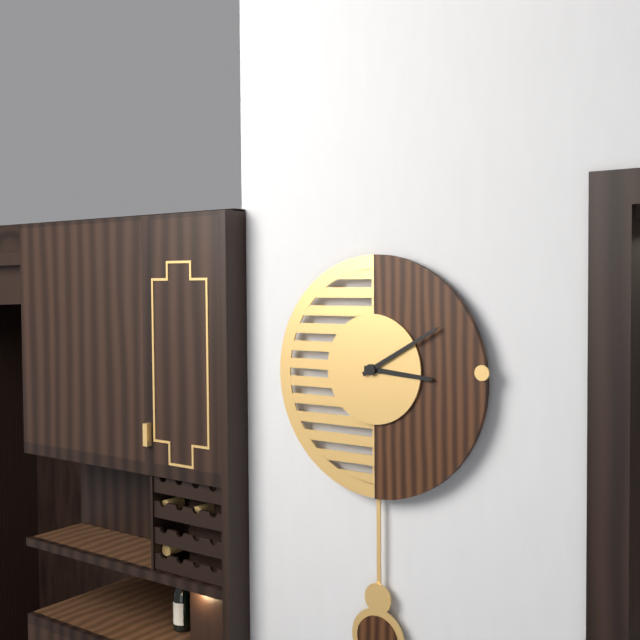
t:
3,10
